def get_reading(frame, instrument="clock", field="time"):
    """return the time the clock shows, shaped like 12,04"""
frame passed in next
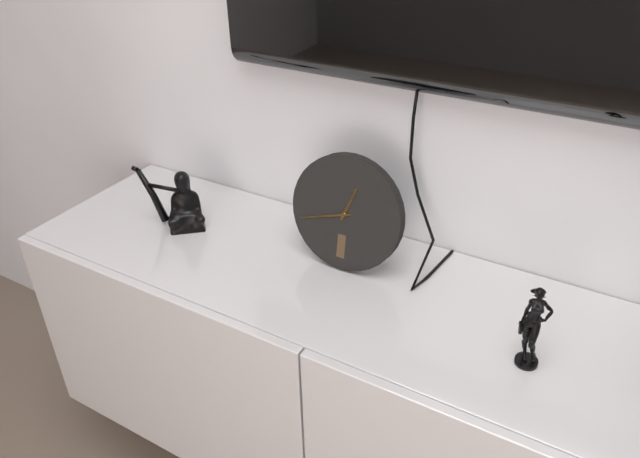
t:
12,42
